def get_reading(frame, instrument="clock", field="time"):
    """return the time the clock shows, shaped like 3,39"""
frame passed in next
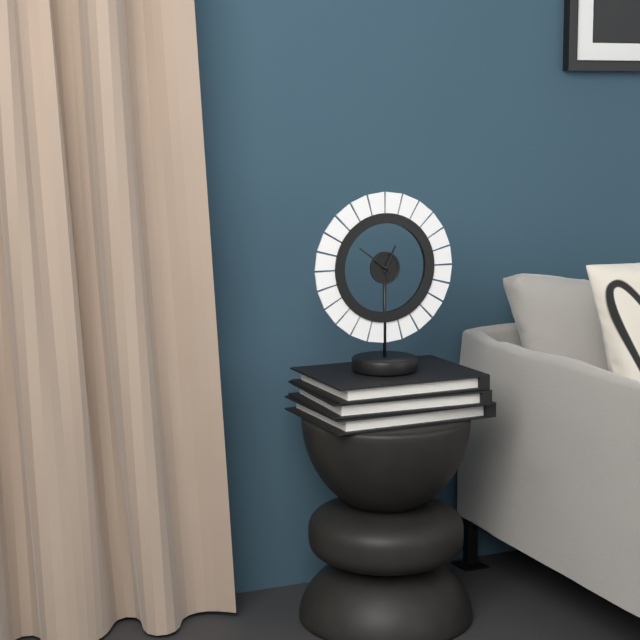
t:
12,51
